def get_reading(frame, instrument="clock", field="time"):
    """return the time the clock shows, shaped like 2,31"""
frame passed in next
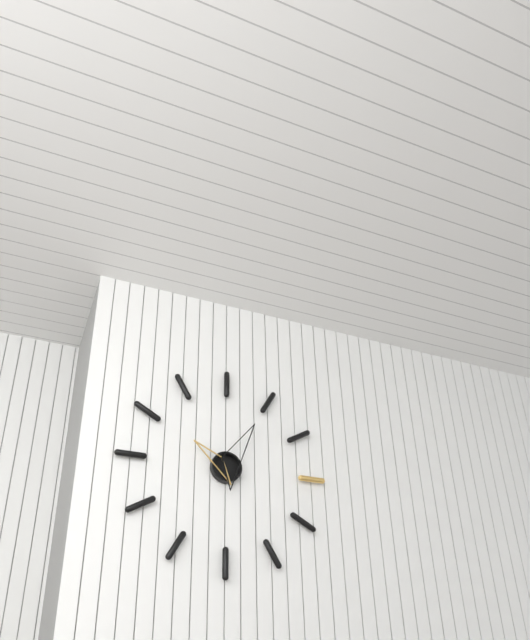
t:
10,05
